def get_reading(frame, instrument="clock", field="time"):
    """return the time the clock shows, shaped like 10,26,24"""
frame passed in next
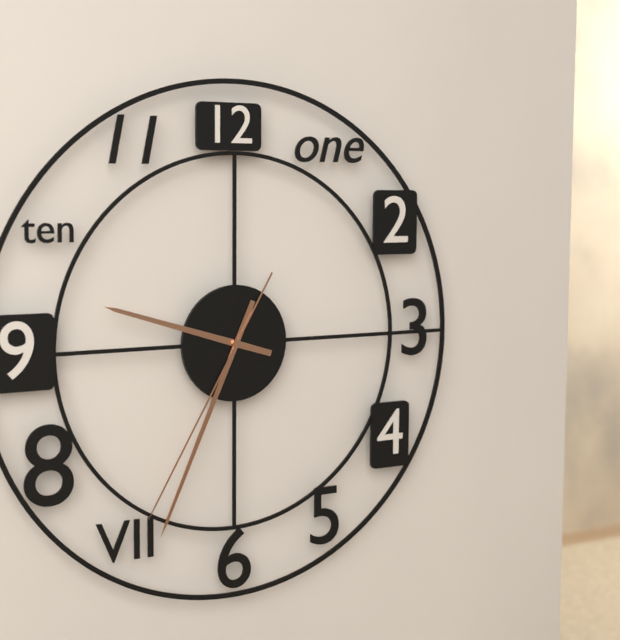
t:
9,34,35
